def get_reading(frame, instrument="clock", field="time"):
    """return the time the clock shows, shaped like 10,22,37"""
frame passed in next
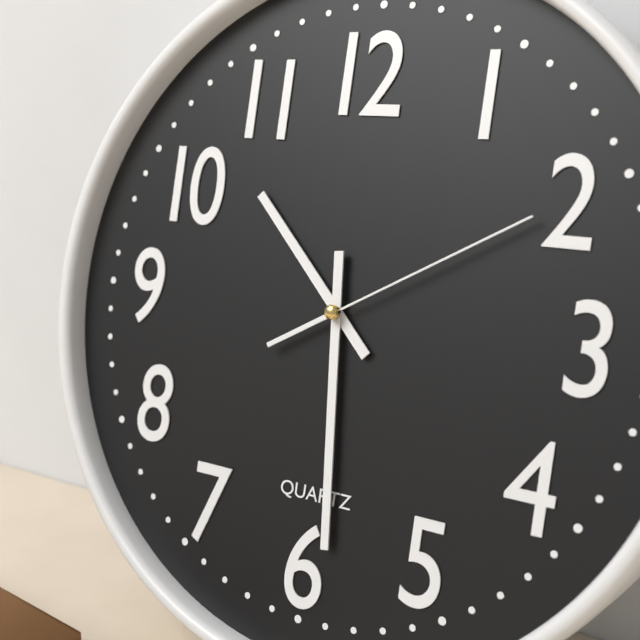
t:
10,29,10
